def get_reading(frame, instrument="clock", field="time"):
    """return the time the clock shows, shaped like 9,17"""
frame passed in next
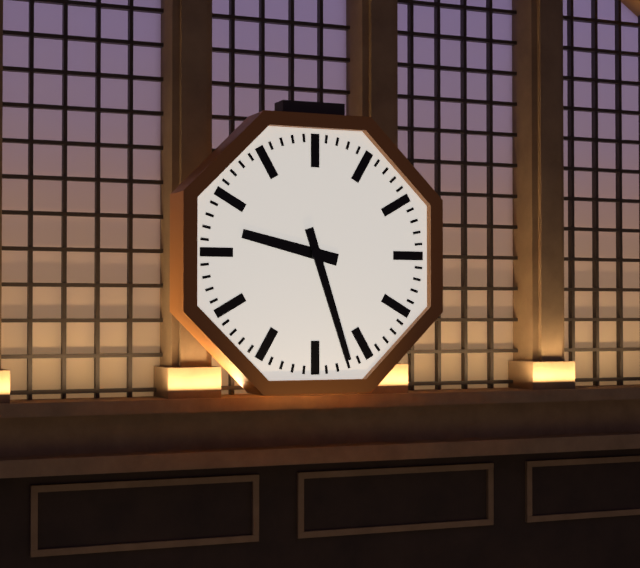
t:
9,27
